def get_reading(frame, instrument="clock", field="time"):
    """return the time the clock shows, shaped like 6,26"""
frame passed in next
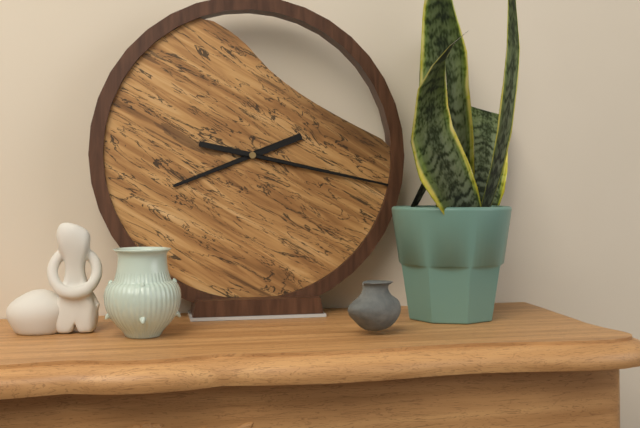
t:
8,17
